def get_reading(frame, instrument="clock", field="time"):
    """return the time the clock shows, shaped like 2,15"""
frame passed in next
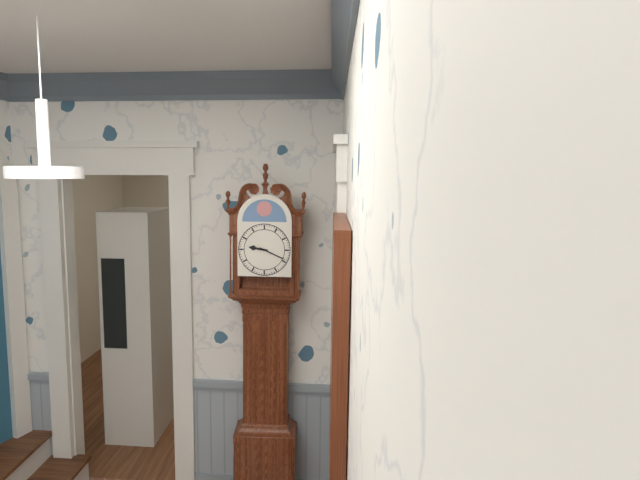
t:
9,19
